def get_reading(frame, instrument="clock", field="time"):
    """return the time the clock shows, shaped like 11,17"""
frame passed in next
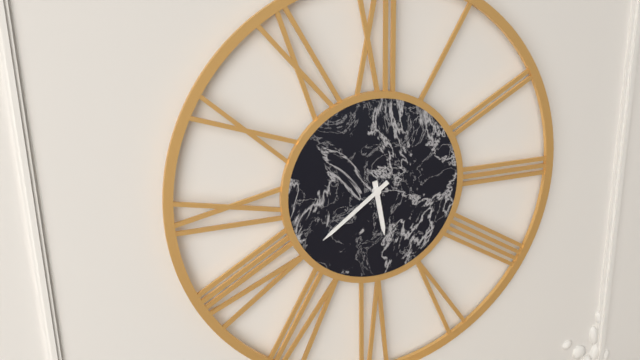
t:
5,39
